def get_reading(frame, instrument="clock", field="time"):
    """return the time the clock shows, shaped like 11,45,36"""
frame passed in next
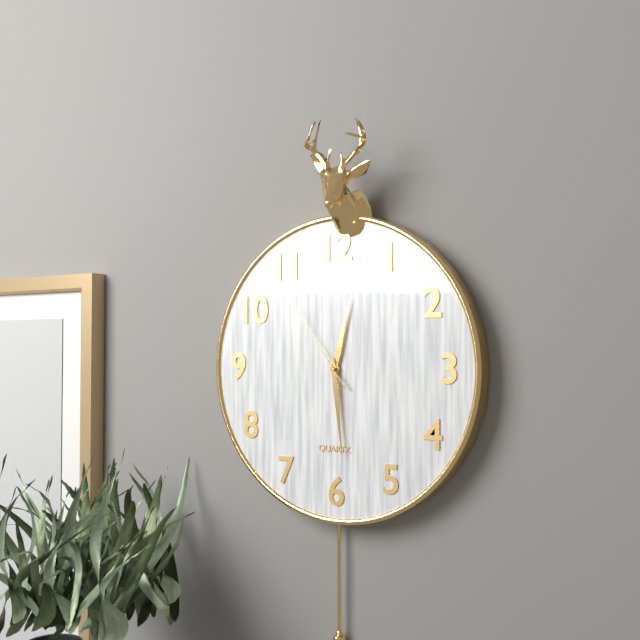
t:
12,29,54
